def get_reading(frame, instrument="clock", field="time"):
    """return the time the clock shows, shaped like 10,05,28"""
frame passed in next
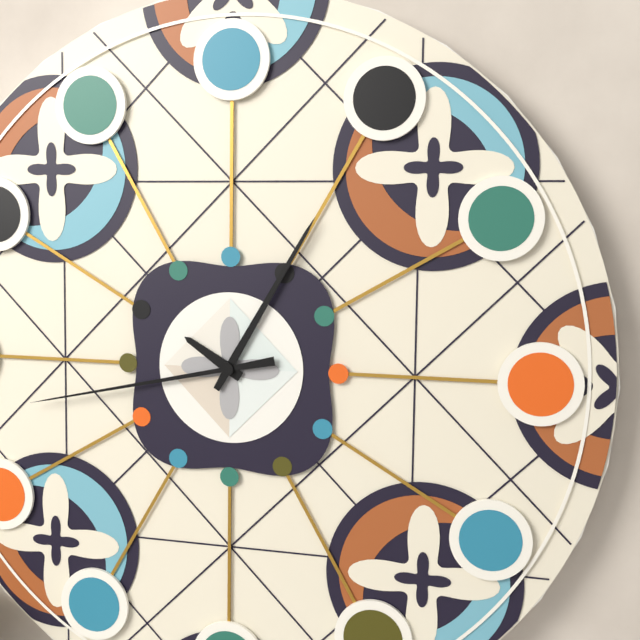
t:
10,05,43
